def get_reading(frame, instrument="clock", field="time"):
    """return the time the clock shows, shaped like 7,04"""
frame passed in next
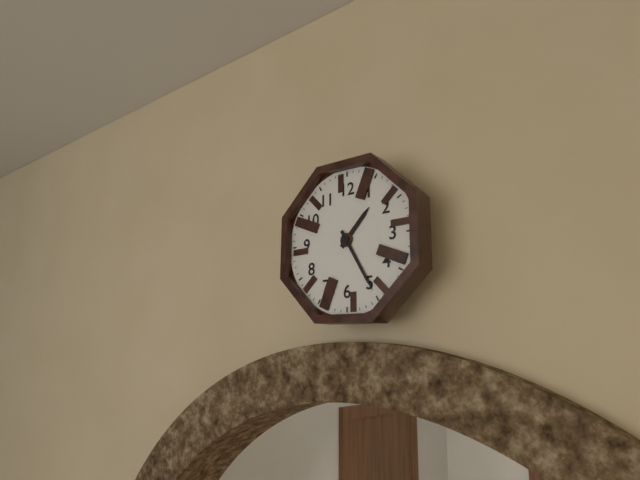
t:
1,25
